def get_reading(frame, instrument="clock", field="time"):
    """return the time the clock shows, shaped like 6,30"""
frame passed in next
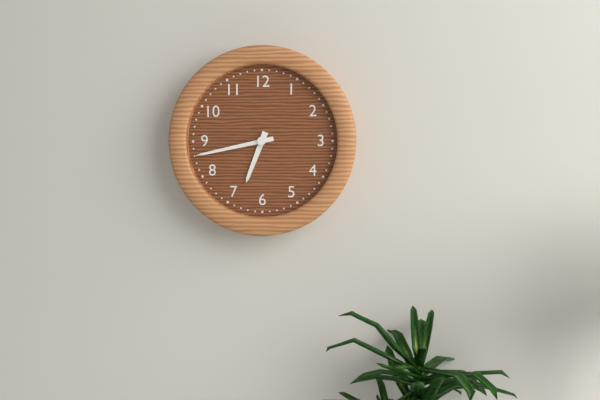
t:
6,43
